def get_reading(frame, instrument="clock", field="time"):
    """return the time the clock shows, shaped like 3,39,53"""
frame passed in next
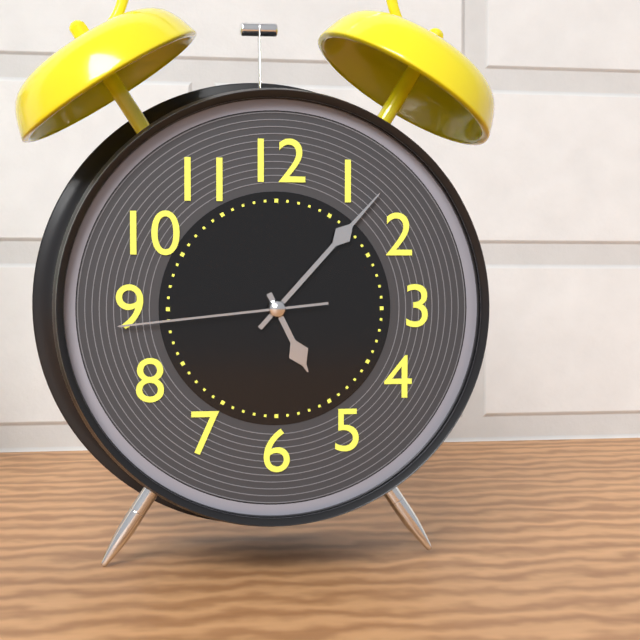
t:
5,07,44
